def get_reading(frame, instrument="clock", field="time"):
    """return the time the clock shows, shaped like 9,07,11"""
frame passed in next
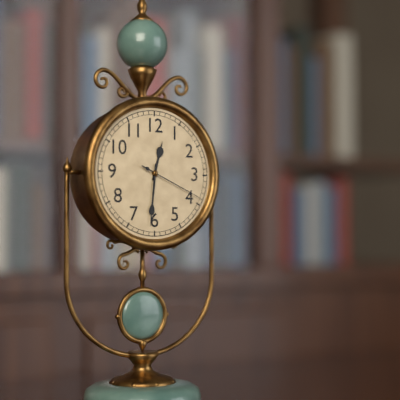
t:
12,31,19
